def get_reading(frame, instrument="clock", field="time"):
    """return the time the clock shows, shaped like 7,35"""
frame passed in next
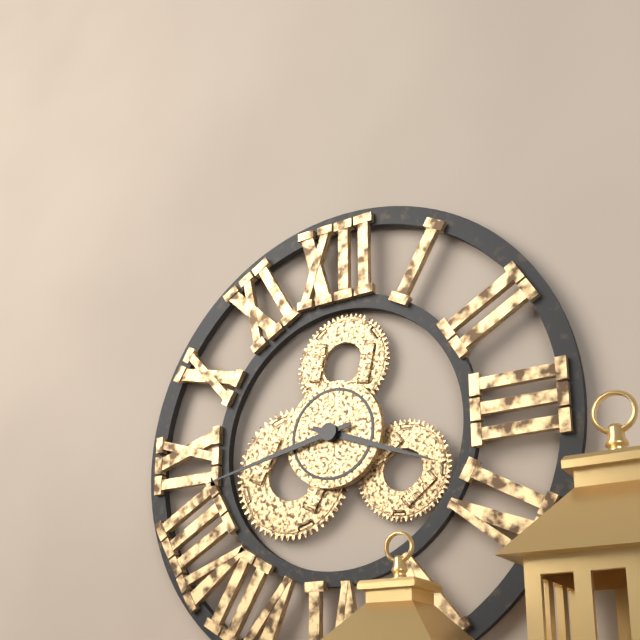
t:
3,43
